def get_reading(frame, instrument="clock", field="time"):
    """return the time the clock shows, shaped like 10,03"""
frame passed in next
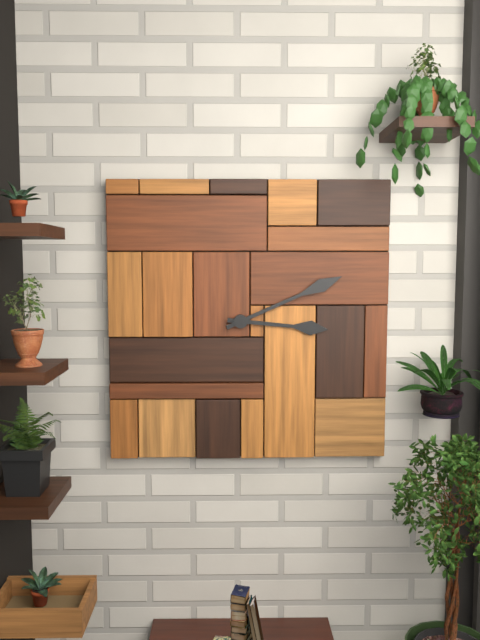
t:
3,11
